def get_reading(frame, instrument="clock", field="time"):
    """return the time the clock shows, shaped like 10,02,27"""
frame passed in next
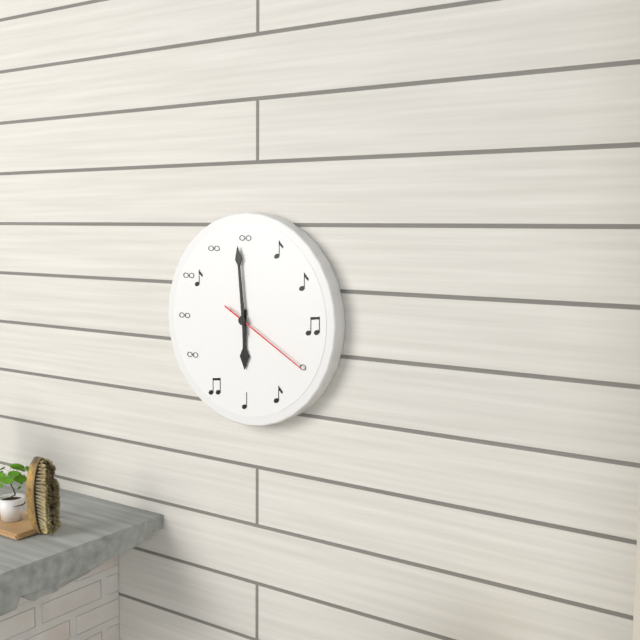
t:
5,59,20
